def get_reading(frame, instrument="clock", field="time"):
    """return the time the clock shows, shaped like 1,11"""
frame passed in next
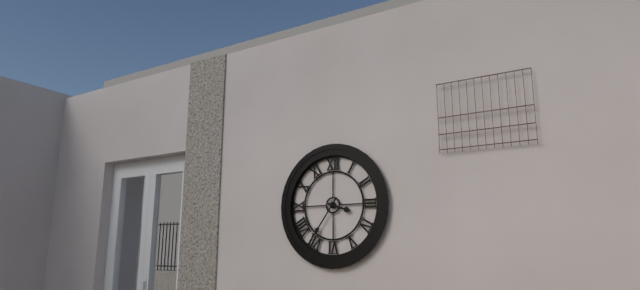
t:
3,36
